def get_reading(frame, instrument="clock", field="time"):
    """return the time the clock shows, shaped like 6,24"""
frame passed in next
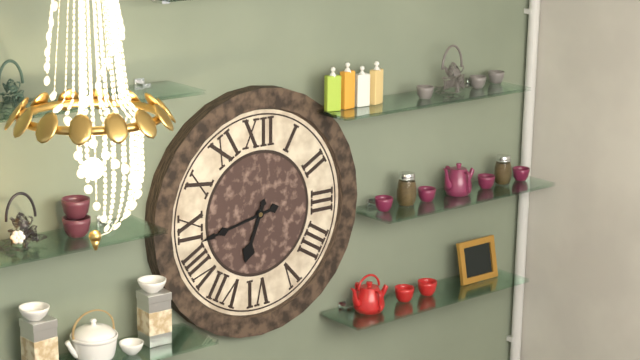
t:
6,43
